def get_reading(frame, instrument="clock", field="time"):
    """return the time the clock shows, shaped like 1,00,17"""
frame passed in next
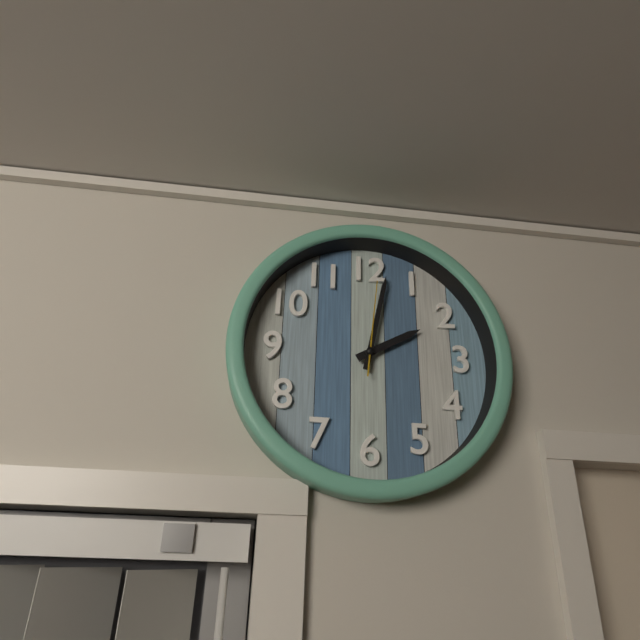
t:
2,02,01
